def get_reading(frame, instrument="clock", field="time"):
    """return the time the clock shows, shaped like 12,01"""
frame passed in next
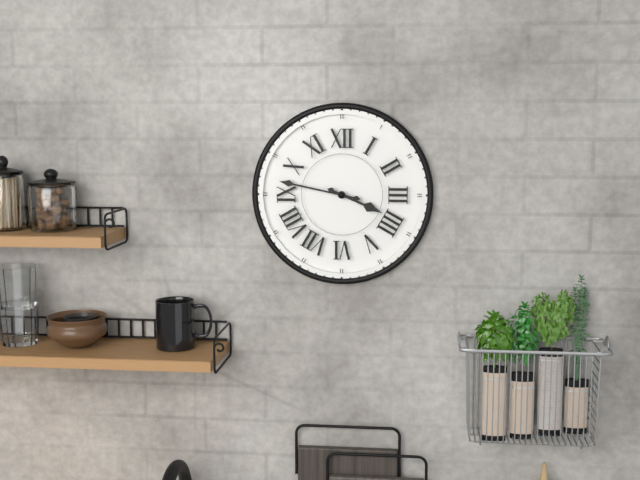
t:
3,47
